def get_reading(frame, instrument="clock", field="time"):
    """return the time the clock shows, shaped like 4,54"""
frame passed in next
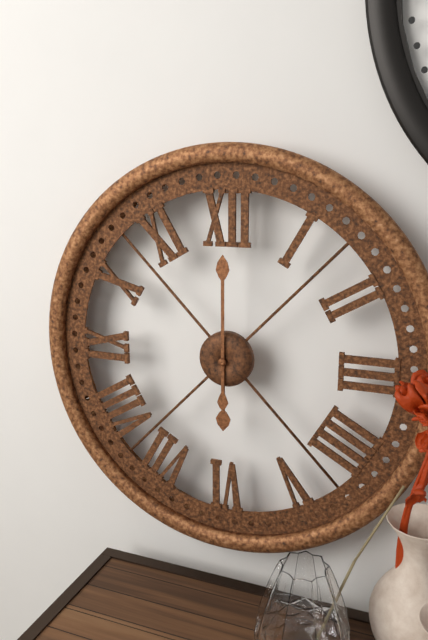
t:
6,00
